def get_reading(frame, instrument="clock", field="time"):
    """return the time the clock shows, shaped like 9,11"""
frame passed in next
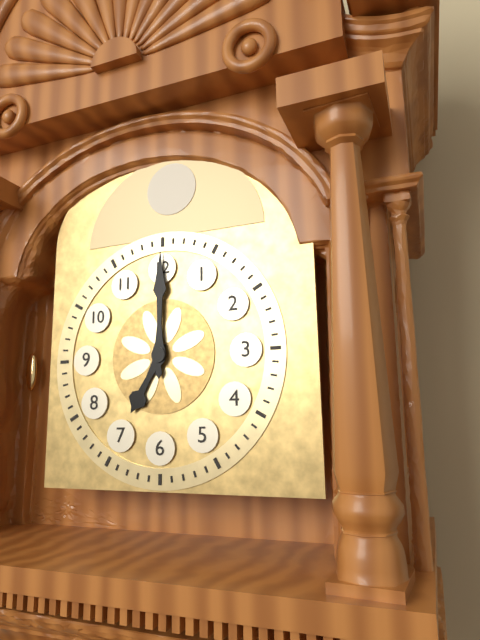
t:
7,00
